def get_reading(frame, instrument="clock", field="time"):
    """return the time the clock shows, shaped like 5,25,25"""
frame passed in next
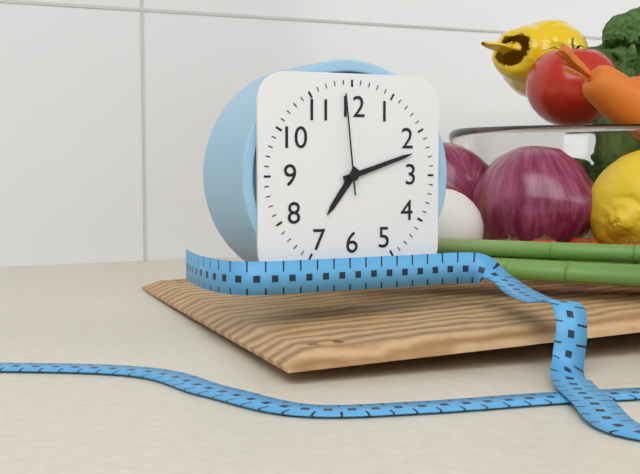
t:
7,12,59
